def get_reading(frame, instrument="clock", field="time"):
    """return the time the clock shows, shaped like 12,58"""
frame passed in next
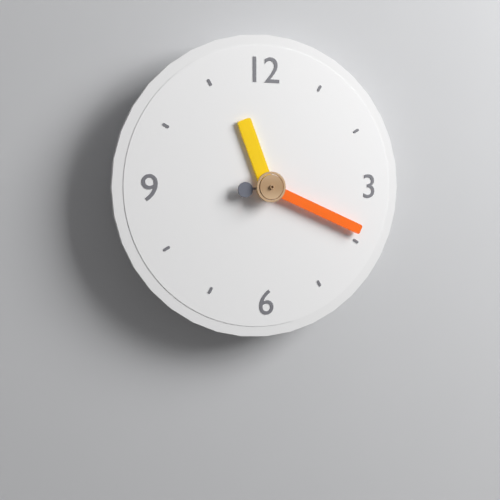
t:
11,19
